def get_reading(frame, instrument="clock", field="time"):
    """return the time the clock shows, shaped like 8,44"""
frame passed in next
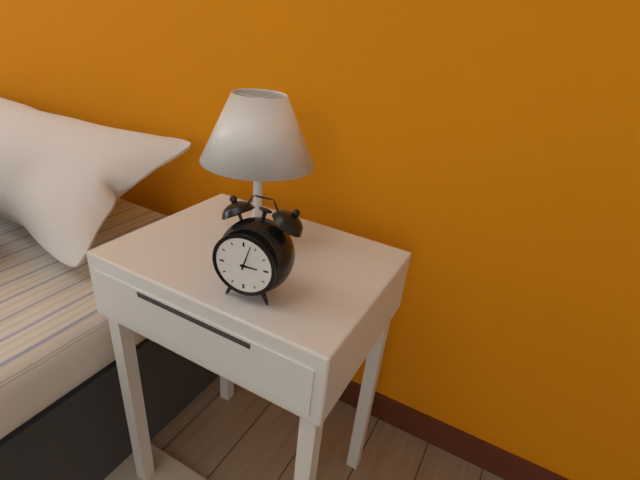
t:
3,03
